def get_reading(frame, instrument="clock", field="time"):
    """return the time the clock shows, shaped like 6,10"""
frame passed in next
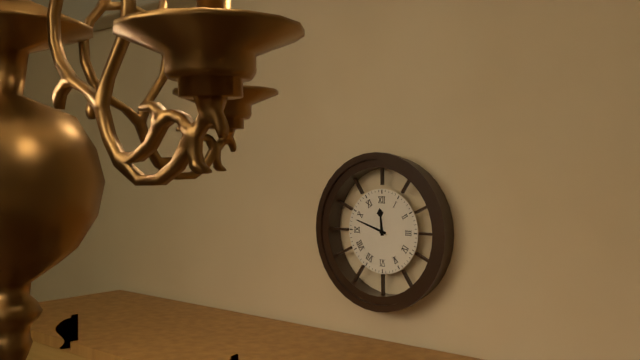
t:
11,48
